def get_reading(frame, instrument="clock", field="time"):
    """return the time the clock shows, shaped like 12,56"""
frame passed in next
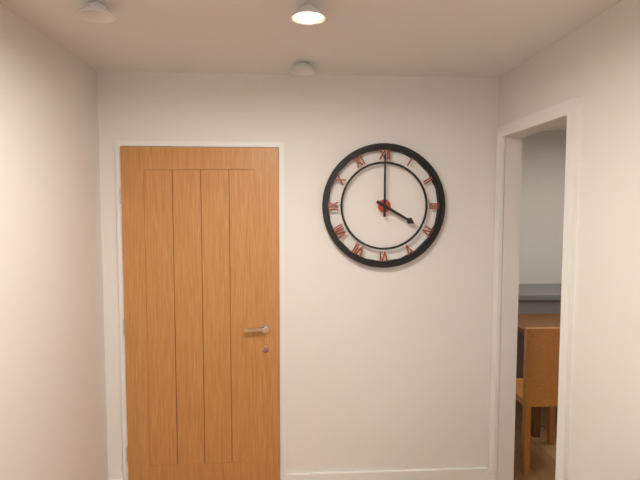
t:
4,00
